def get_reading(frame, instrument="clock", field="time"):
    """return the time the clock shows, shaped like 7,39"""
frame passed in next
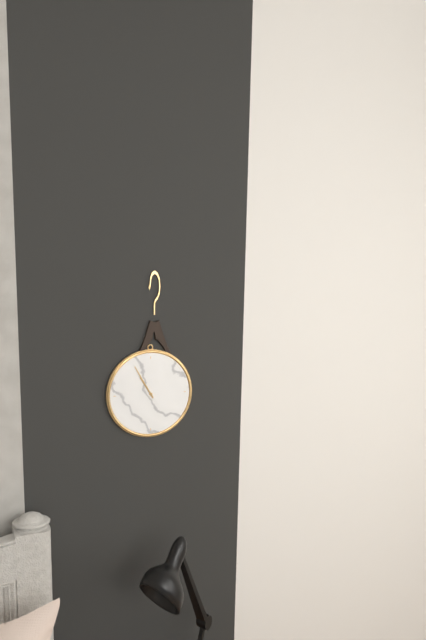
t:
10,55
